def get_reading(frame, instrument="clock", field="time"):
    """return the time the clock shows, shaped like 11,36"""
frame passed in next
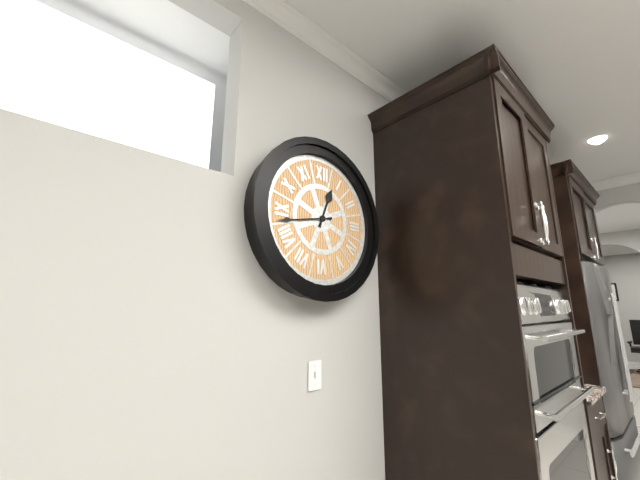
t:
12,43
